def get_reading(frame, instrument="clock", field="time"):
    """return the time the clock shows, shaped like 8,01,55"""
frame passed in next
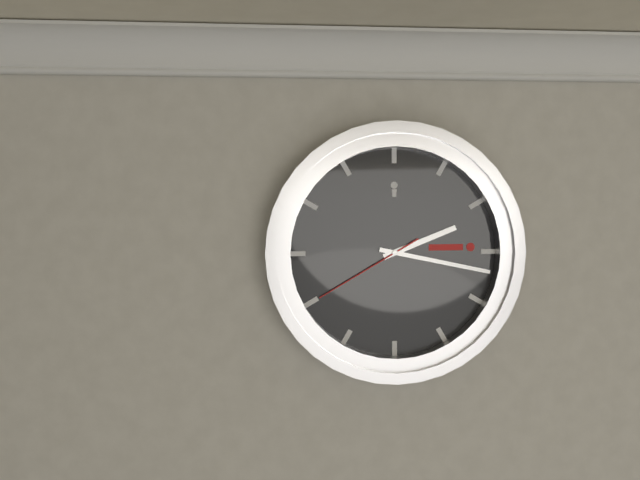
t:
2,17,40
